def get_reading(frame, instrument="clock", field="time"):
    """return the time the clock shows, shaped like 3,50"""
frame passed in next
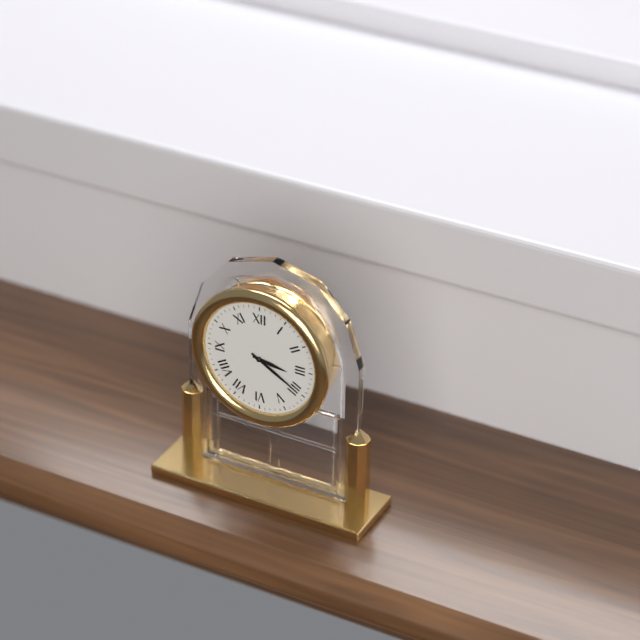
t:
3,20
